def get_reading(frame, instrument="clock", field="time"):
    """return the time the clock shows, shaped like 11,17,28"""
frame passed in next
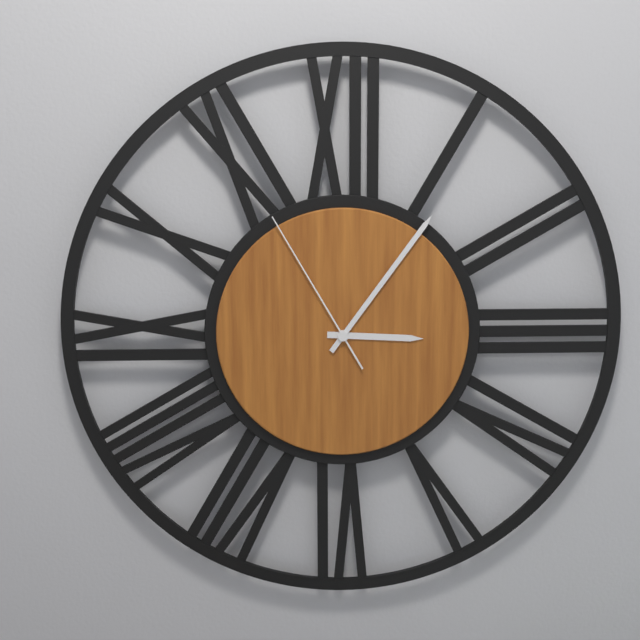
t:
3,06,55
